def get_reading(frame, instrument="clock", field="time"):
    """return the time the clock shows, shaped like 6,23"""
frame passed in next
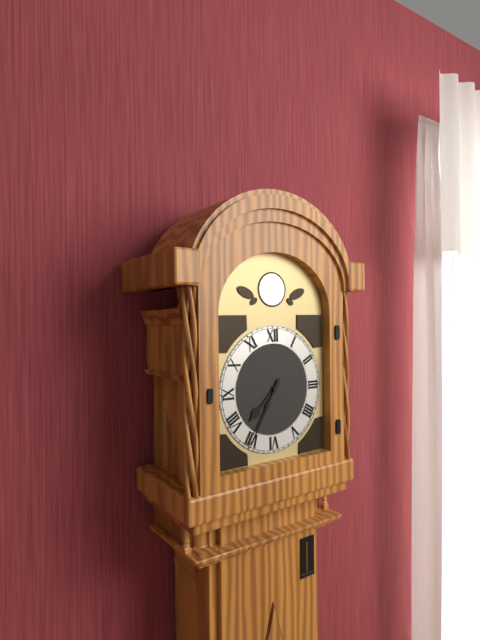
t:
7,35
